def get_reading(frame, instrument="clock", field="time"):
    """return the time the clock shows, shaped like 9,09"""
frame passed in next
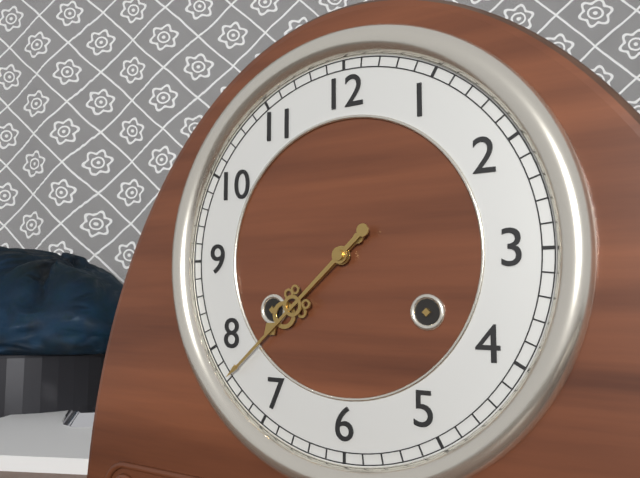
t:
7,38
